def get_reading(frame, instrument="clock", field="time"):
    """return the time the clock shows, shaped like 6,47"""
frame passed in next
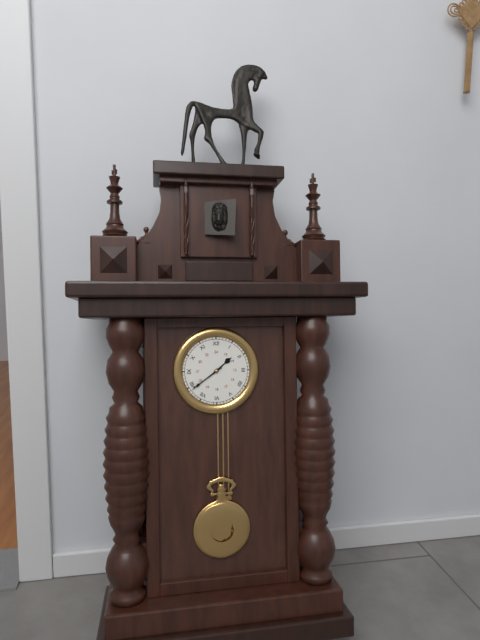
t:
1,39
